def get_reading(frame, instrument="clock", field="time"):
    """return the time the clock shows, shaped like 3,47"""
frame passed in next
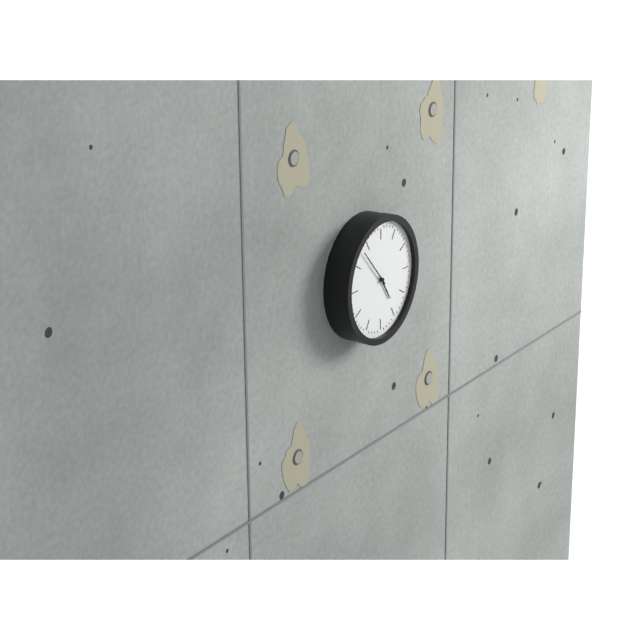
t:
4,53
